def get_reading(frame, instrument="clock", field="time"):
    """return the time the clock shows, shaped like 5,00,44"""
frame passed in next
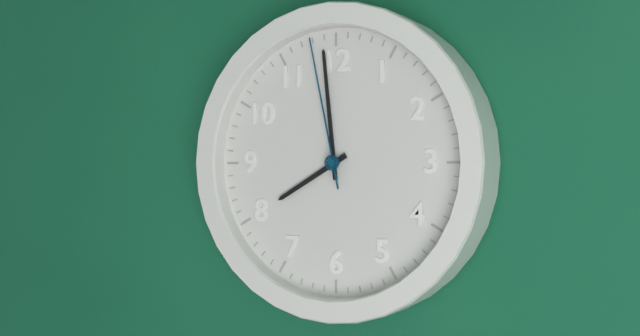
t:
7,59,58
